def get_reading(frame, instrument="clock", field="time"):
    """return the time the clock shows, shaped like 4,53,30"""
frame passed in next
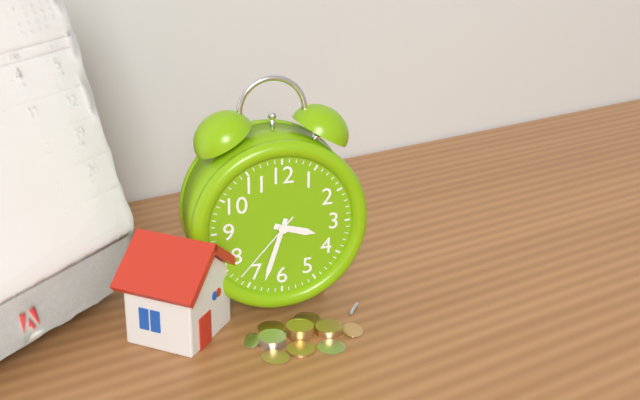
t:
3,33,37
